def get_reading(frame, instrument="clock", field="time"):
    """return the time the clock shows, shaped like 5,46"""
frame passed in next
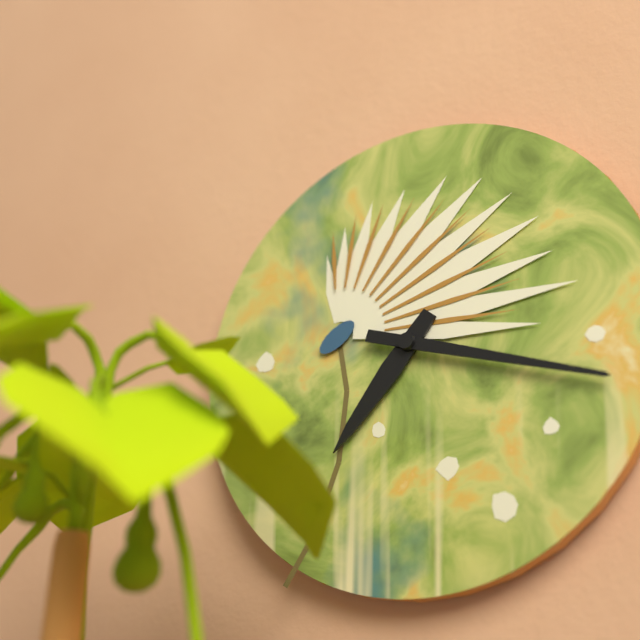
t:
7,18
